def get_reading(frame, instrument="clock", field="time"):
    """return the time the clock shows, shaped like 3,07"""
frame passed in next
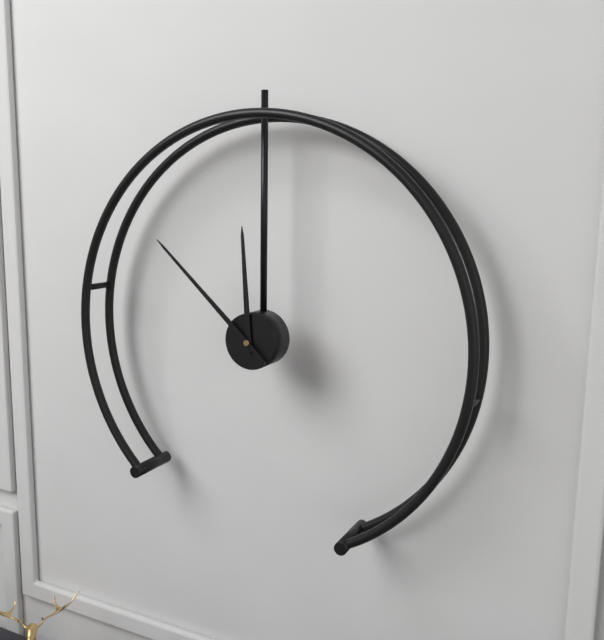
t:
11,52
